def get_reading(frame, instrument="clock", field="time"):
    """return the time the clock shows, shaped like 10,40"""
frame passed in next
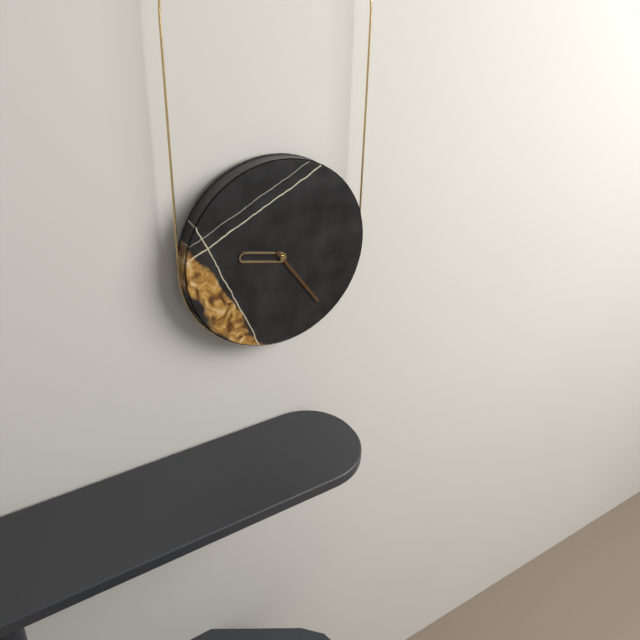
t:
9,24
